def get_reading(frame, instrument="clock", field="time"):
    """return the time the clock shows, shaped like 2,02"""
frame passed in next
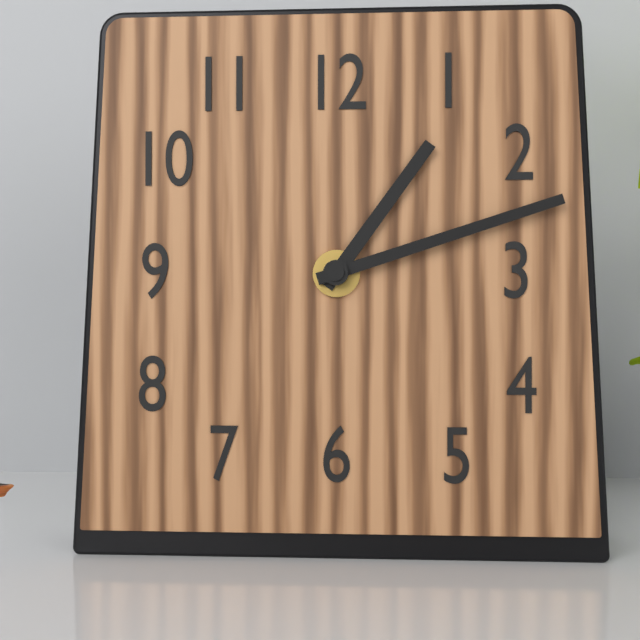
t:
1,12
